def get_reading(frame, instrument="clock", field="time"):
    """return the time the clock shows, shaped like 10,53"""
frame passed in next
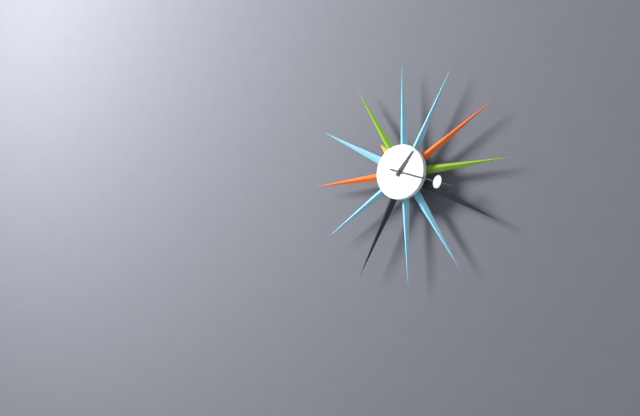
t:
1,18
